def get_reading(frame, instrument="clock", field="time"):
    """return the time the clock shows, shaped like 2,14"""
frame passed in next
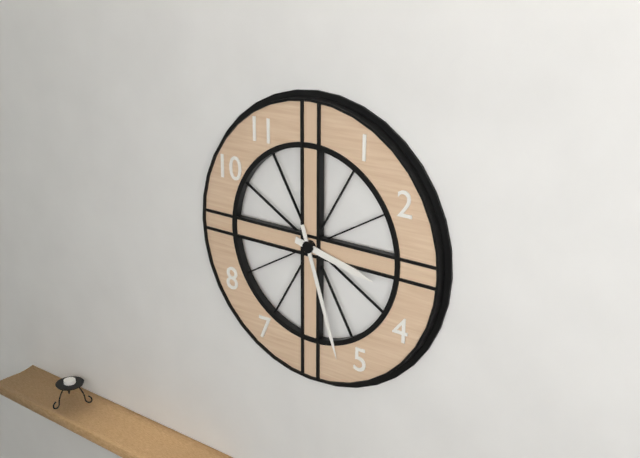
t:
3,27
